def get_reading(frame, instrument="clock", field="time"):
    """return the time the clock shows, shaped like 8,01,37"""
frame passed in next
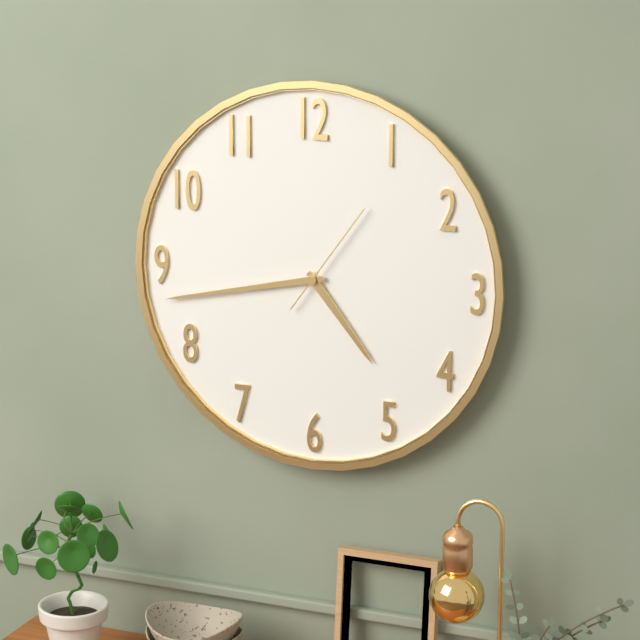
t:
4,43,06
